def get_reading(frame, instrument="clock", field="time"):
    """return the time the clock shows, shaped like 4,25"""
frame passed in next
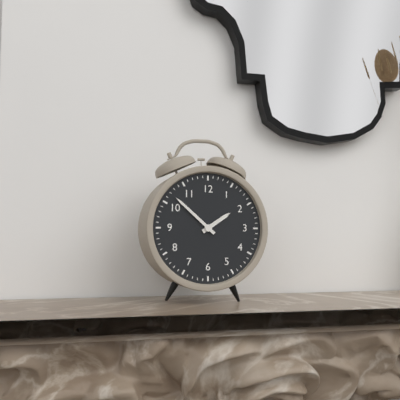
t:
1,52
